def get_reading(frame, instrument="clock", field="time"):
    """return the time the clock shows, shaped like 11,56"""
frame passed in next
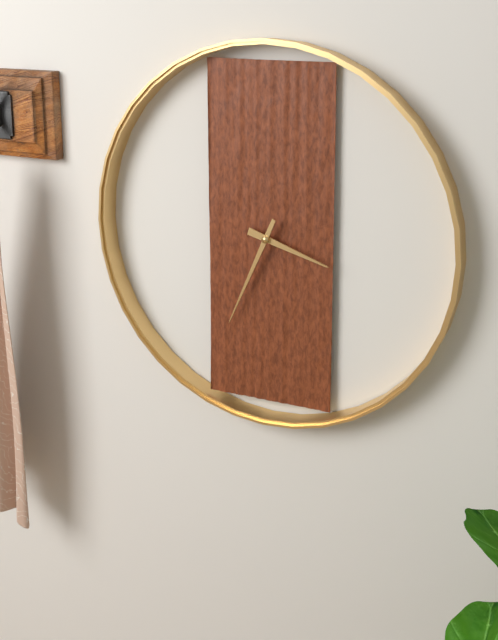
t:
3,34
